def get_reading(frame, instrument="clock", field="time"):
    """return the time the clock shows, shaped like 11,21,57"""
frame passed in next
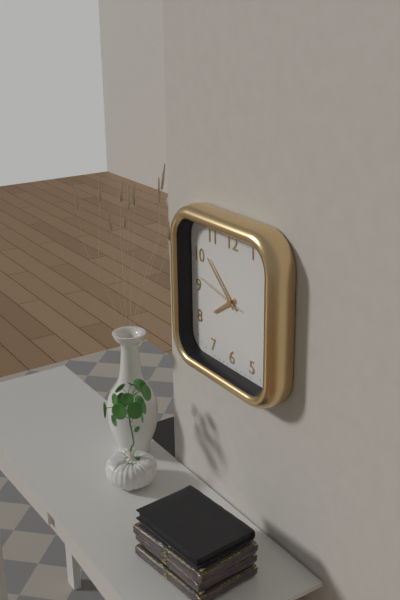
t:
7,52,47
